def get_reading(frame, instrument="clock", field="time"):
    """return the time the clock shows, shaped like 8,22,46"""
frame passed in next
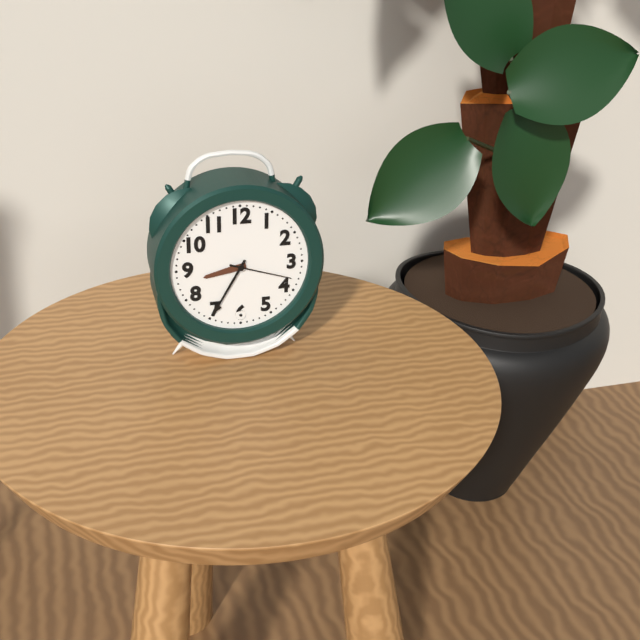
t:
8,35,18
